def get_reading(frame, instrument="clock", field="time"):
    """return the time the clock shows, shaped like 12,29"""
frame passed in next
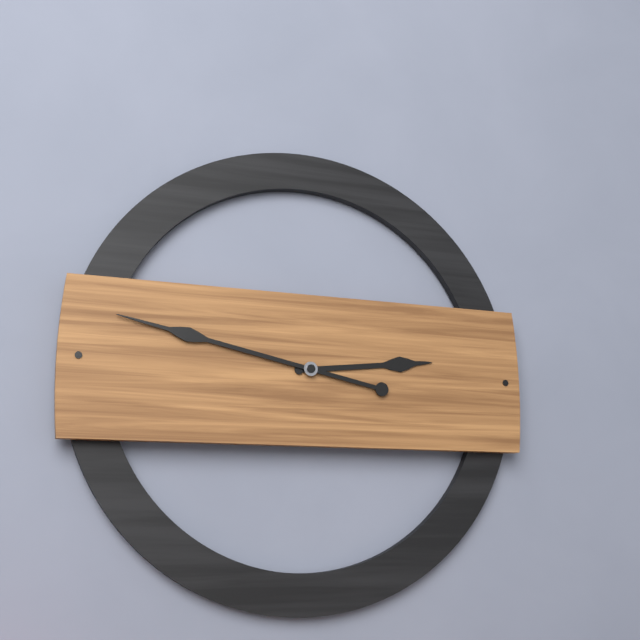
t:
2,47
